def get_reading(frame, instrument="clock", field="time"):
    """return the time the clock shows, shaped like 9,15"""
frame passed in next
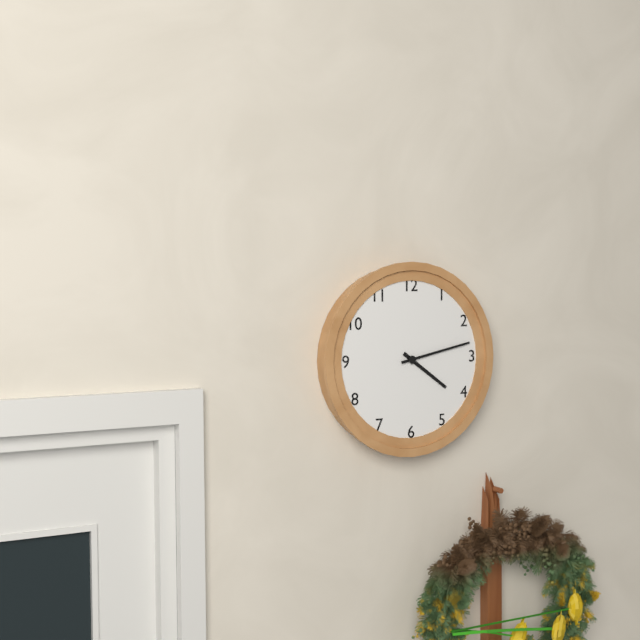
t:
4,13
